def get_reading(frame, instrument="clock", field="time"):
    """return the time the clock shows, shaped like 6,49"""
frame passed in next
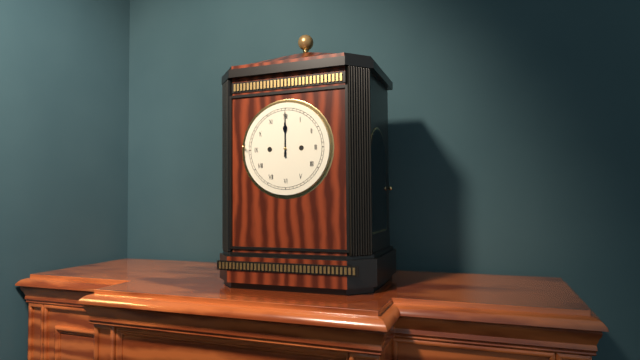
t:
12,00
